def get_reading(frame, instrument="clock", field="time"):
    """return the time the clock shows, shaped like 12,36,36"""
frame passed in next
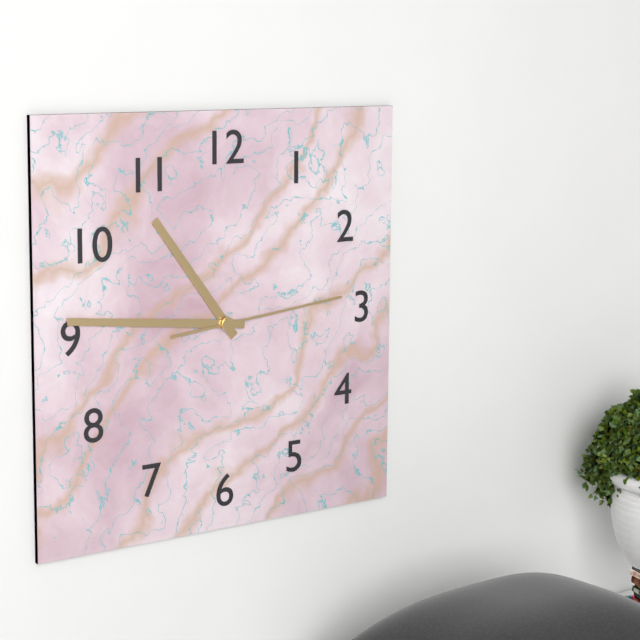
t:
10,46,14
